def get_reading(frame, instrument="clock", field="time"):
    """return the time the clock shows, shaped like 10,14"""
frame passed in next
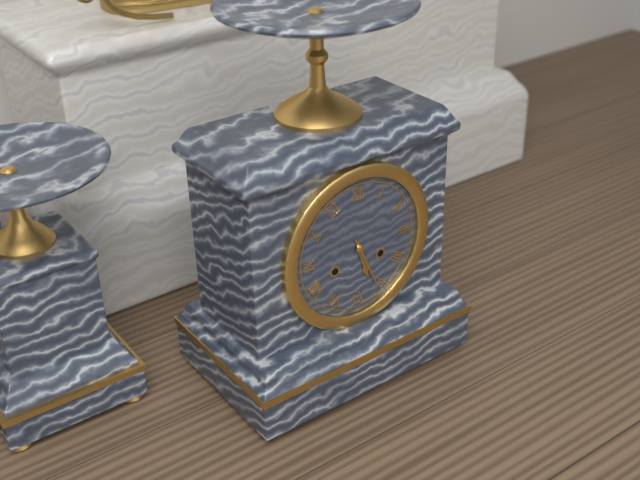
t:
5,26
